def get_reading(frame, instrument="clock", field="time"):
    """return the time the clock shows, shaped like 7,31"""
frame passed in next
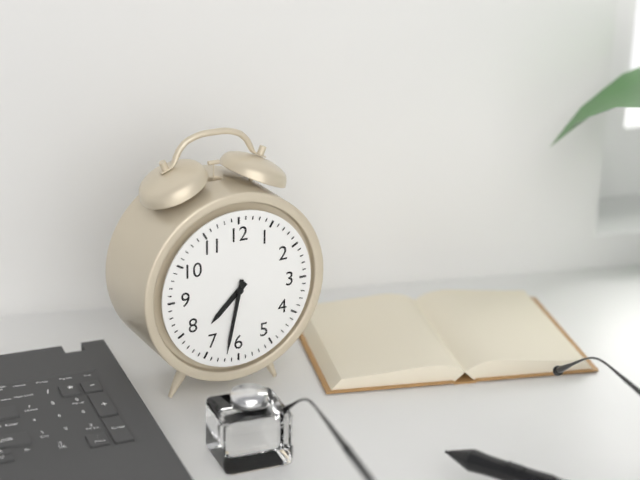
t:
7,32
